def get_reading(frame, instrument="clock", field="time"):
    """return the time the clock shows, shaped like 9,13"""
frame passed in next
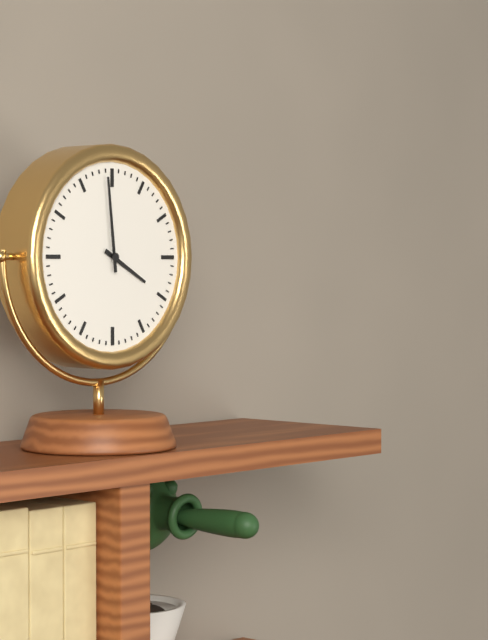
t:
3,59
